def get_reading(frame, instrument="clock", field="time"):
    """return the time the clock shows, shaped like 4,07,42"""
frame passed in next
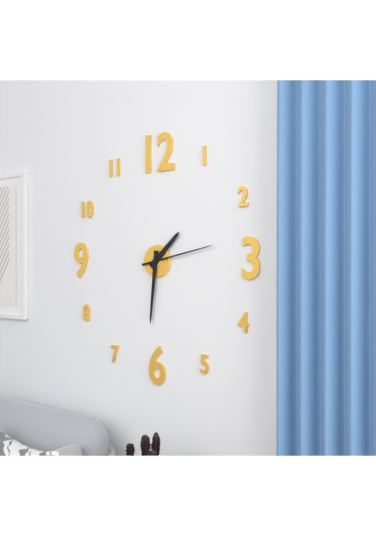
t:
1,31,13
